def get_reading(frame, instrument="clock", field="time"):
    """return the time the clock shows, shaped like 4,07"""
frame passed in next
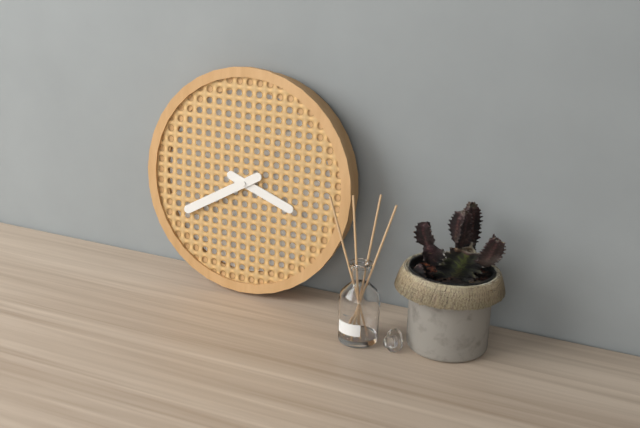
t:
3,40
